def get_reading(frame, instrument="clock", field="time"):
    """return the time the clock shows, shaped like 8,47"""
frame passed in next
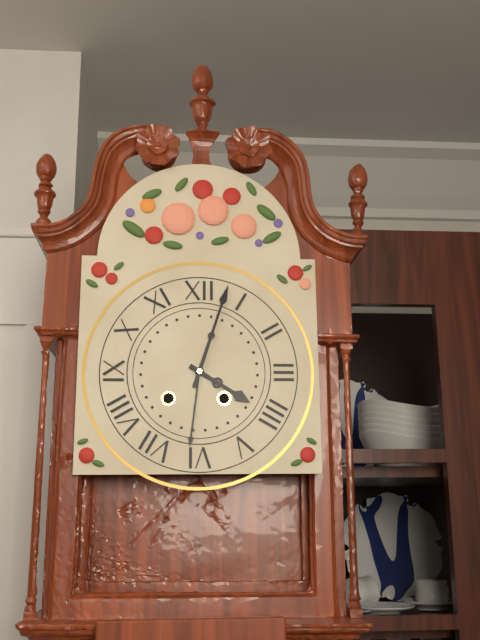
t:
4,03
